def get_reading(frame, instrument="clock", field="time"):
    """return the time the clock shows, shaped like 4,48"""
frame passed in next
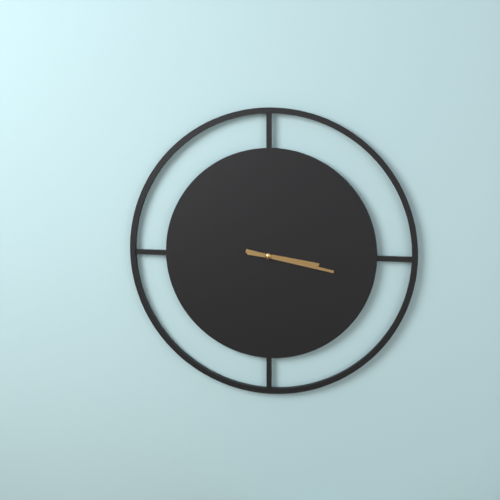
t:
3,17
